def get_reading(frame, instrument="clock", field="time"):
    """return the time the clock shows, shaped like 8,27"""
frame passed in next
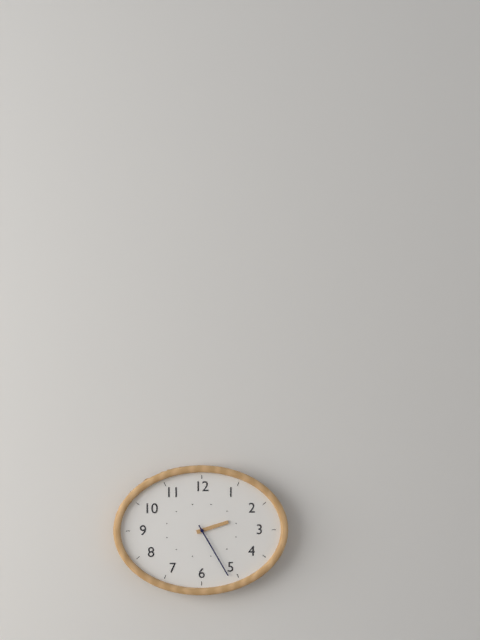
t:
2,25
